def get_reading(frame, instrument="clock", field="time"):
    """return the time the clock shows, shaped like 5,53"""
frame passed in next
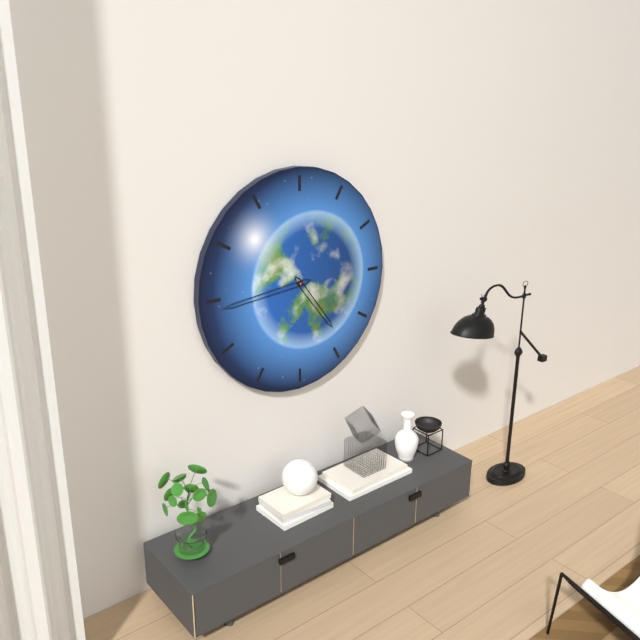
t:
4,44
